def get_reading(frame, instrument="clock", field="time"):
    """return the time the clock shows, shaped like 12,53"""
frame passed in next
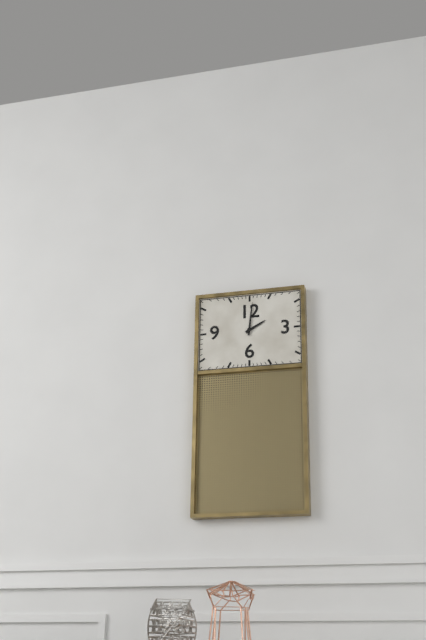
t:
2,01
